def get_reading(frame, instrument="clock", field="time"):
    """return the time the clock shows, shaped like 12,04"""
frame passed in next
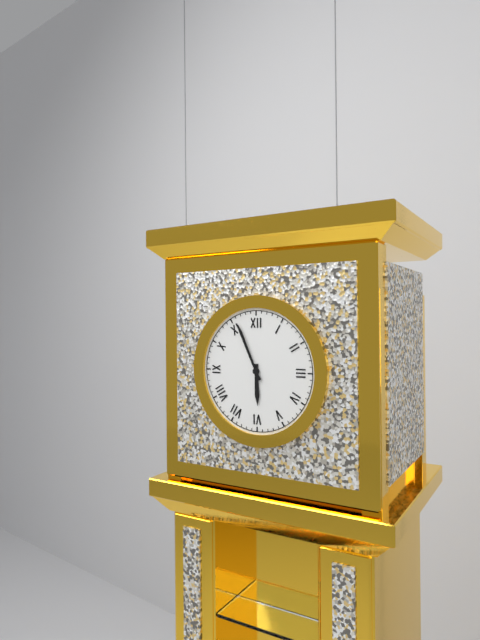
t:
5,56
